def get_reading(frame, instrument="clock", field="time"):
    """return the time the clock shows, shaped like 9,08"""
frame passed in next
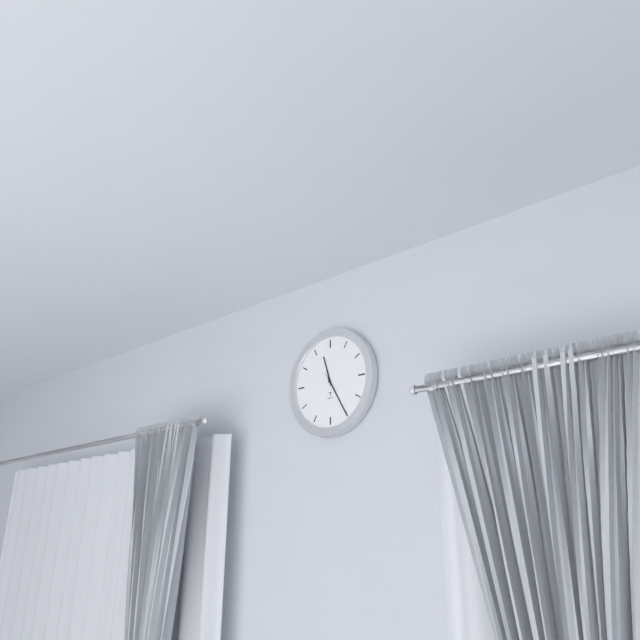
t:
11,25
